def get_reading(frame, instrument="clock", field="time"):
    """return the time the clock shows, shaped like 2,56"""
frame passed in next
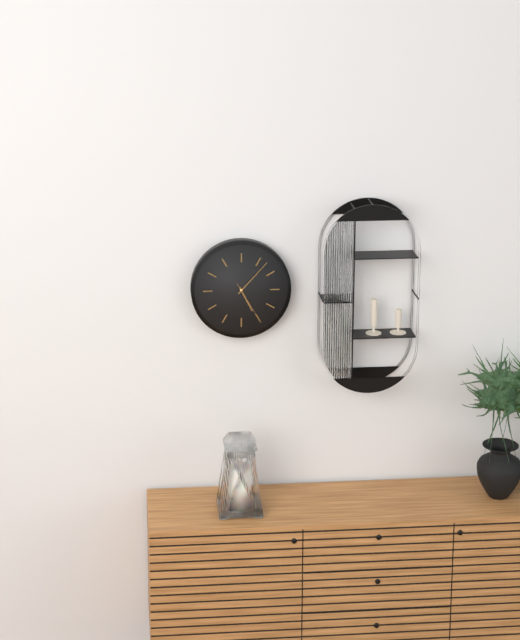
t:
5,07
